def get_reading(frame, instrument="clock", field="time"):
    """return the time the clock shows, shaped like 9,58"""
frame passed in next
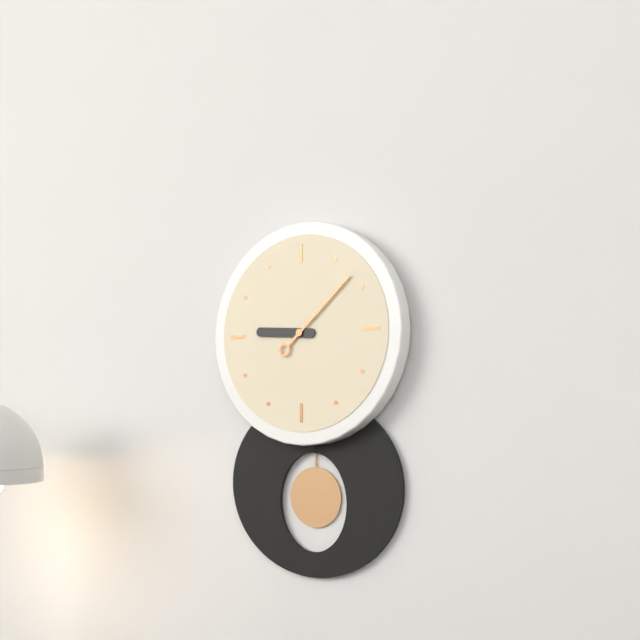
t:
9,08
